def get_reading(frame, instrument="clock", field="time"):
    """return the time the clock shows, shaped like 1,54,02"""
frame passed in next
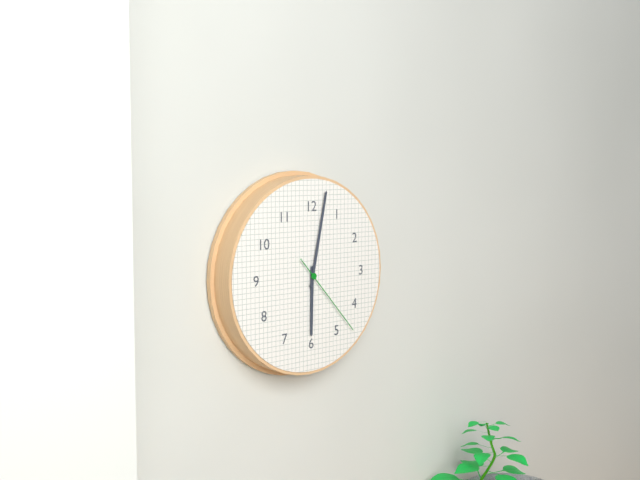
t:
6,02,23
